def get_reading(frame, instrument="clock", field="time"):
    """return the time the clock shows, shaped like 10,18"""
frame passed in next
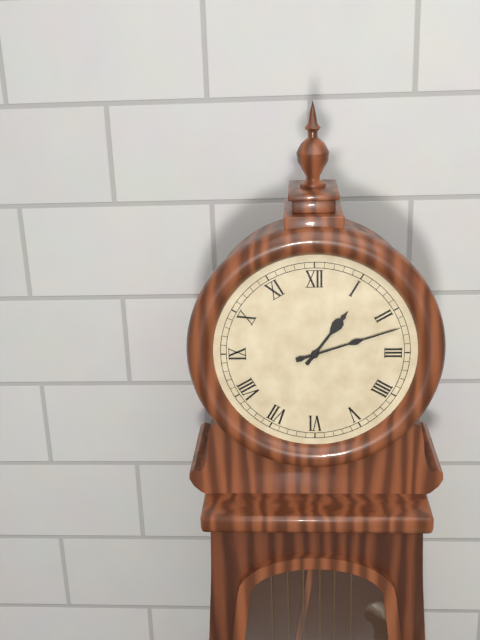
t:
1,12
